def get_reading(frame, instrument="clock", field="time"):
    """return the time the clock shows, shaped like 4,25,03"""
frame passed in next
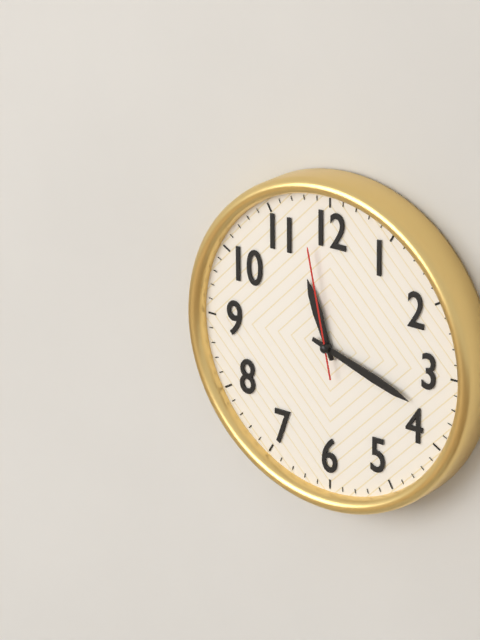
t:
11,18,58
